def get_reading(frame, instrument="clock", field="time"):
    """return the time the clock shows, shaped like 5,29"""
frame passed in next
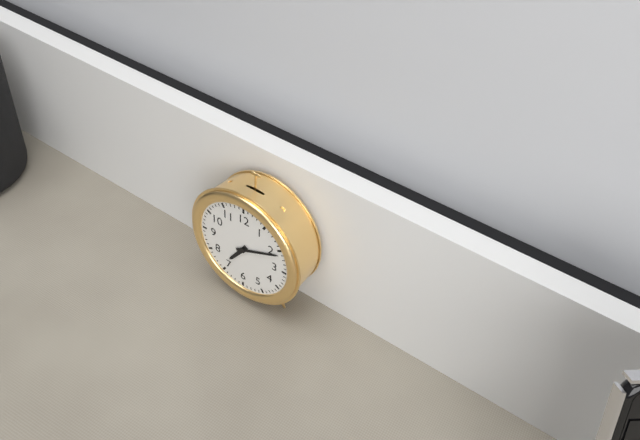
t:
7,11
